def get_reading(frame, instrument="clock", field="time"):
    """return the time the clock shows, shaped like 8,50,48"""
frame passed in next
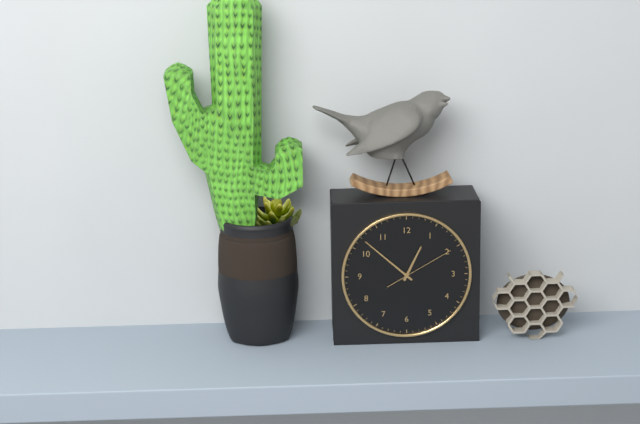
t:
12,52,10
